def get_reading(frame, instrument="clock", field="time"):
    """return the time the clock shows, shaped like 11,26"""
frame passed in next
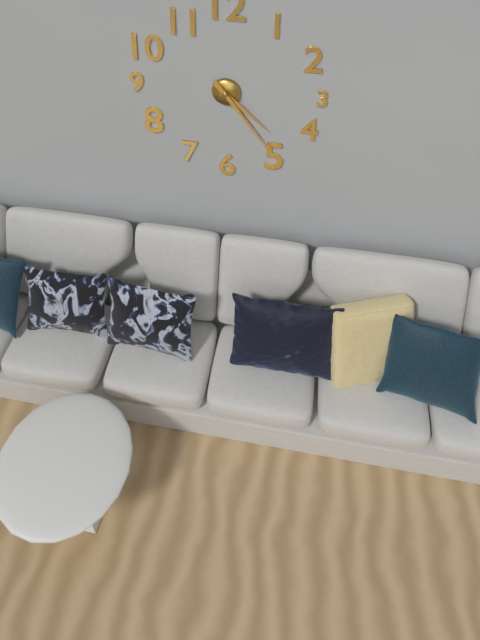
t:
4,24
